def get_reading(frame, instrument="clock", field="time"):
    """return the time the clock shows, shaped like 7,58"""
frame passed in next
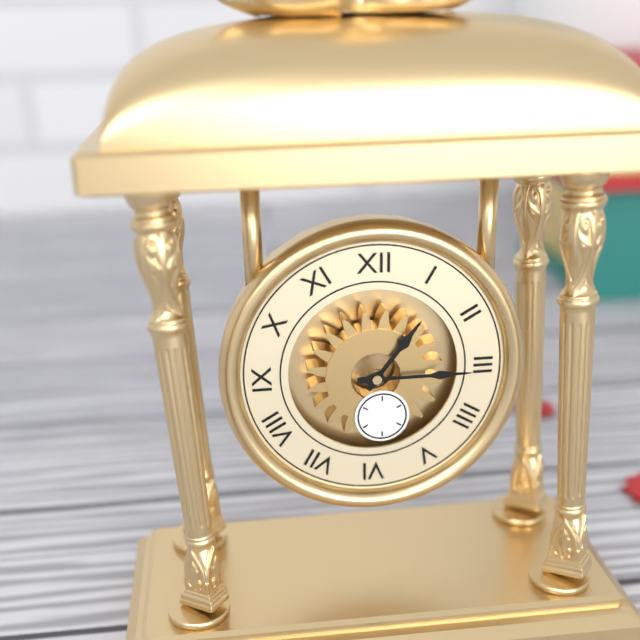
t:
1,15
